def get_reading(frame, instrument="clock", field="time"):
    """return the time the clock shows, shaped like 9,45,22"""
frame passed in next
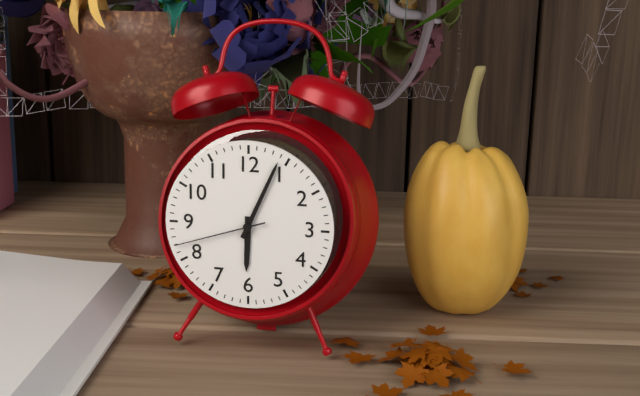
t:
6,04,42
